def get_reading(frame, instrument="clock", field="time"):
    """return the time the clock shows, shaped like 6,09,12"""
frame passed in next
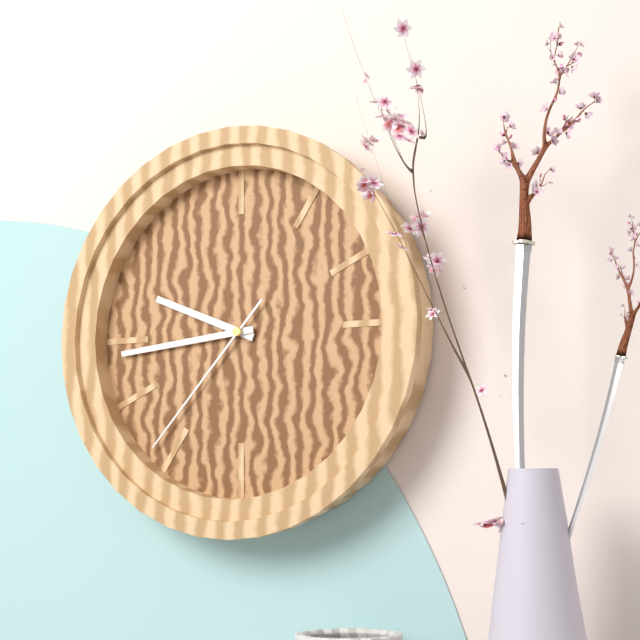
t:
9,44,37
